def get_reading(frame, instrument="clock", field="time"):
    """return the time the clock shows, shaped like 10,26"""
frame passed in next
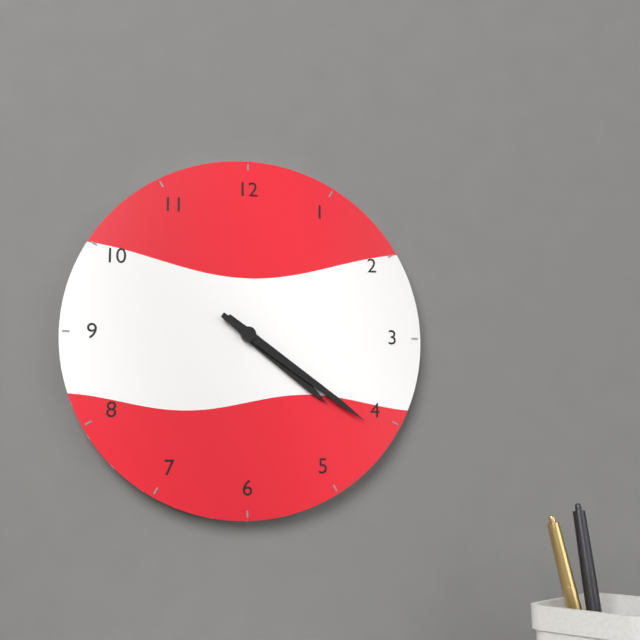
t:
4,21
